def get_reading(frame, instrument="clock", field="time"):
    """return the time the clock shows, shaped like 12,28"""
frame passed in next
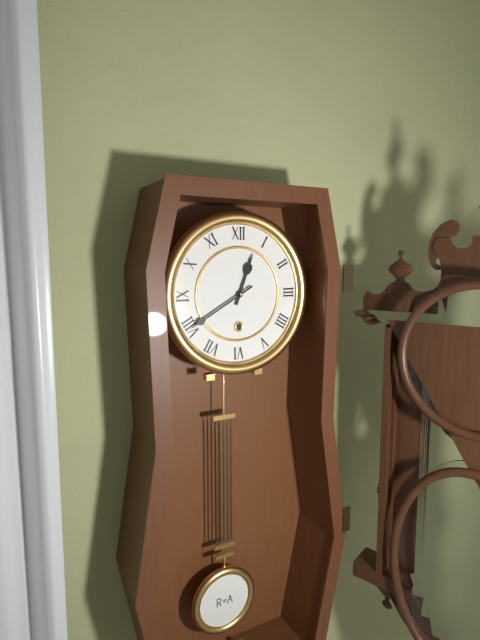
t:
12,40
